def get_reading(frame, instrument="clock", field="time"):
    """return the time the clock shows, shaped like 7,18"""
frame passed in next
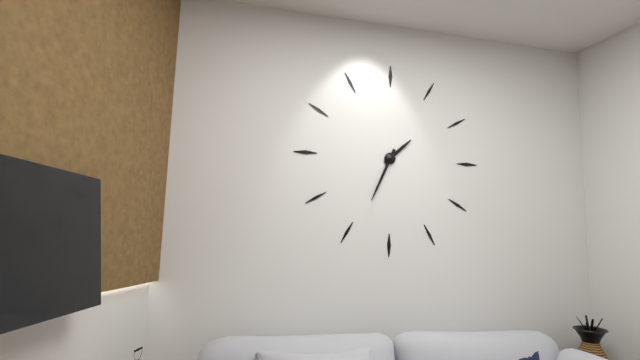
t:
1,34
